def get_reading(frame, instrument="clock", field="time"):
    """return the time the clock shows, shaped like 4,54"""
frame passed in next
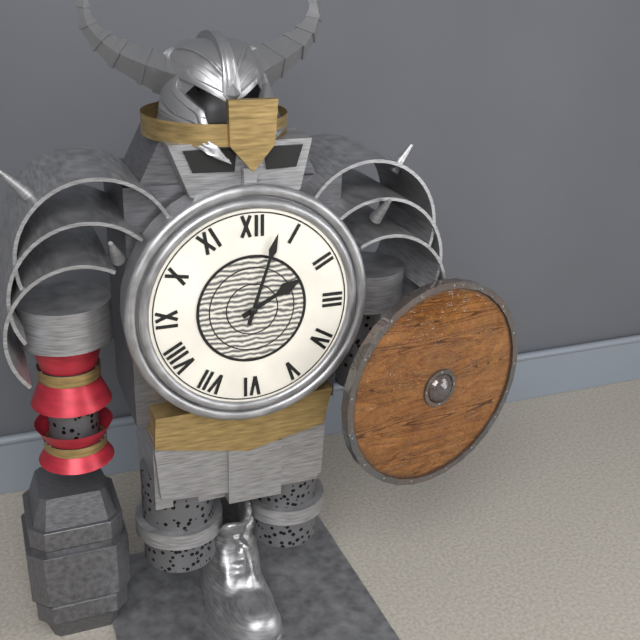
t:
2,03
